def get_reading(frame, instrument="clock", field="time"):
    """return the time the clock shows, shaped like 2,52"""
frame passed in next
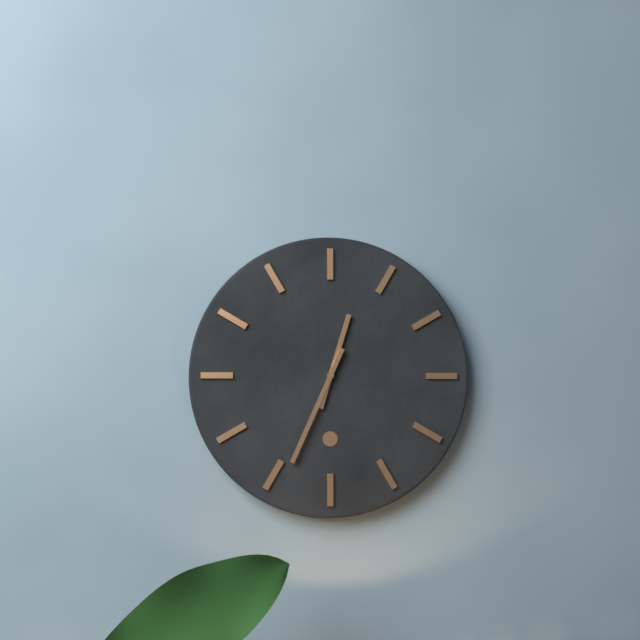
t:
12,34
